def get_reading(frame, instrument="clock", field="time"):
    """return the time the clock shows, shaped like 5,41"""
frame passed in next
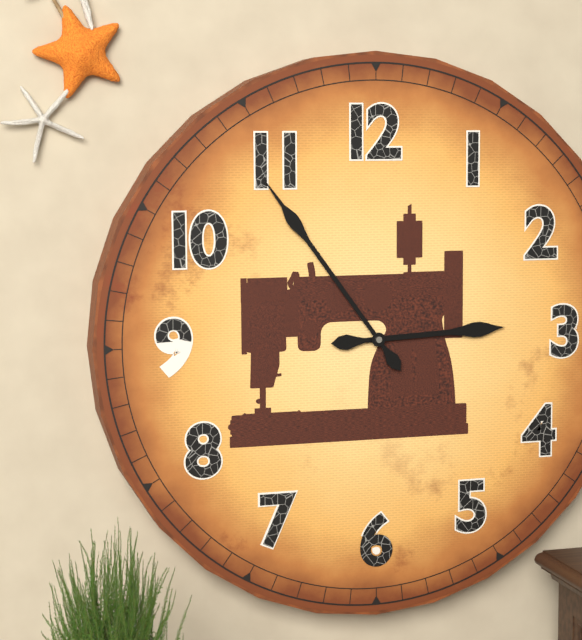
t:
2,54
